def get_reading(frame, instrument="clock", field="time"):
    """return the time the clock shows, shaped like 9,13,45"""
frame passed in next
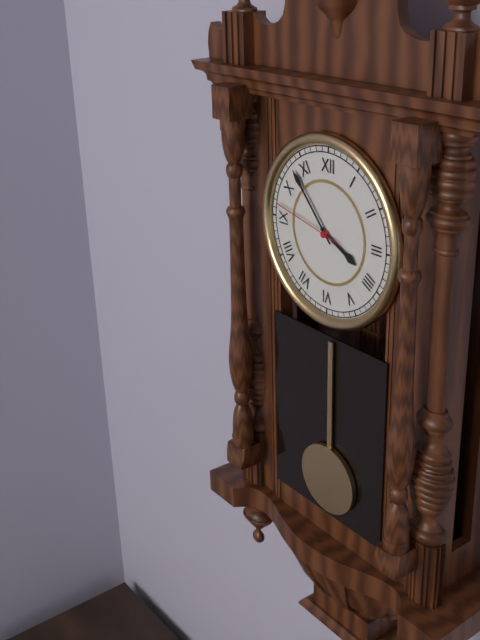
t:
3,53,47
